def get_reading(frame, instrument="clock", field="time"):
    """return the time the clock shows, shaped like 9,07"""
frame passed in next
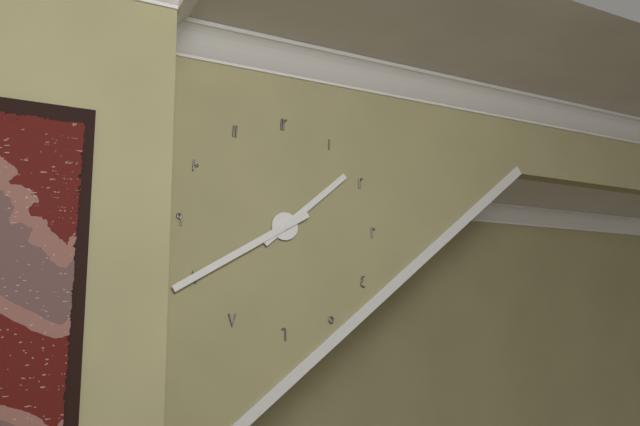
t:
1,40
